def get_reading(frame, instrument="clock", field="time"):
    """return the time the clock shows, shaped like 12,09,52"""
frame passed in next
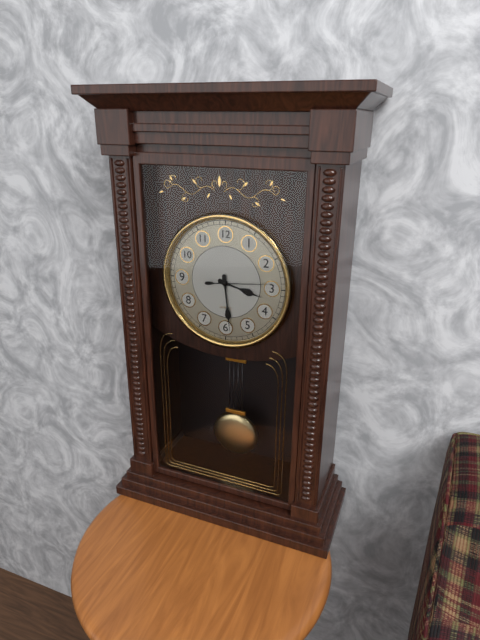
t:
3,29,14
